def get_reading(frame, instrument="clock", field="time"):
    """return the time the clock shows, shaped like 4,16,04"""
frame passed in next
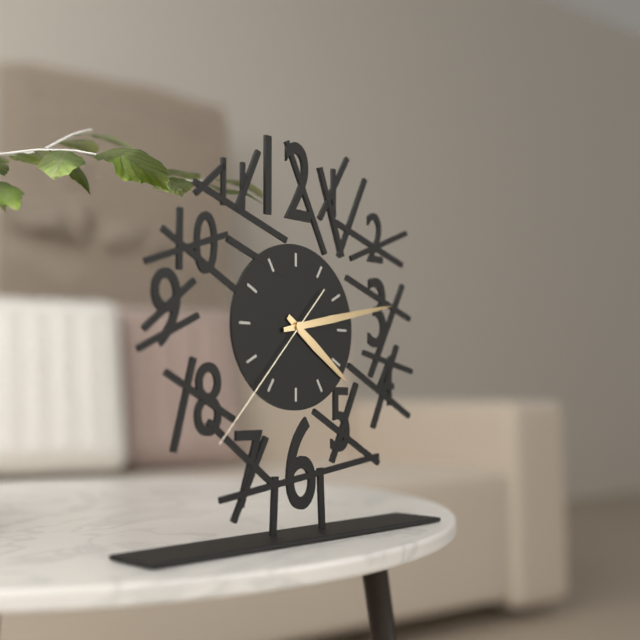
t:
4,13,37
